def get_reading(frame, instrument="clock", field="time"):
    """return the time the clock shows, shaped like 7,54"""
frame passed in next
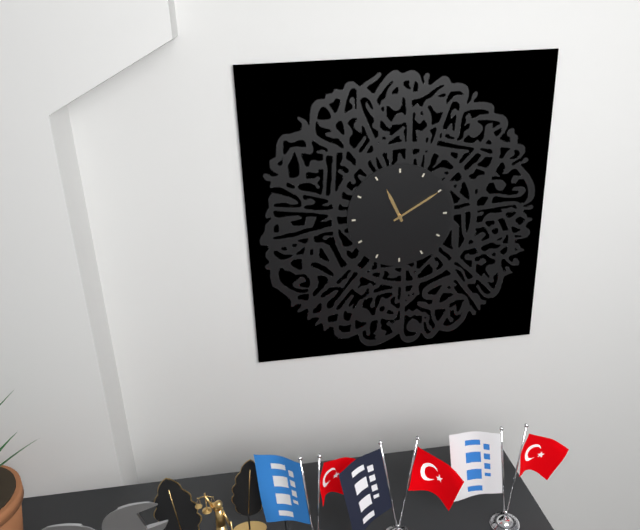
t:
11,10
